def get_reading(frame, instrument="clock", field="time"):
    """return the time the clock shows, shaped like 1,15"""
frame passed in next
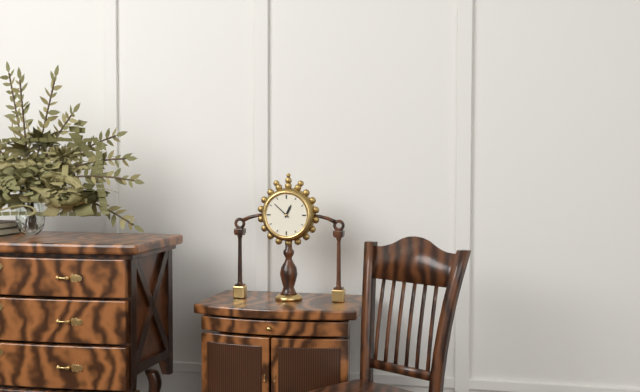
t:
12,52
